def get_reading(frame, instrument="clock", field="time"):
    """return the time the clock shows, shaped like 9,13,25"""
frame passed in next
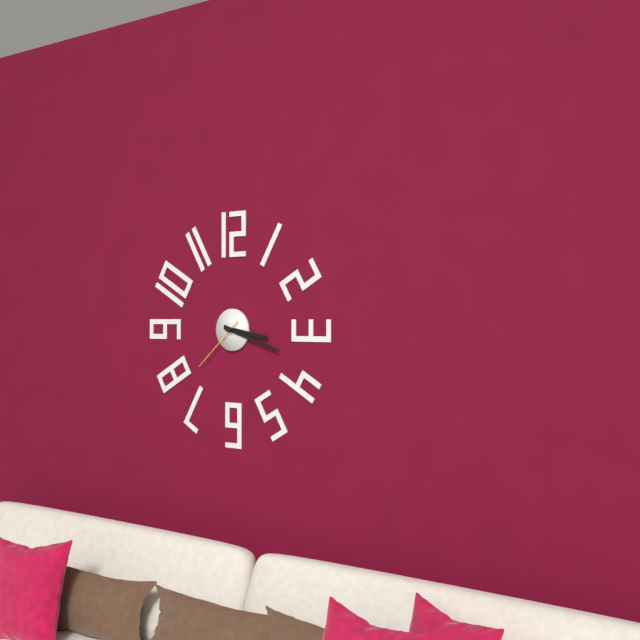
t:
3,18,38
